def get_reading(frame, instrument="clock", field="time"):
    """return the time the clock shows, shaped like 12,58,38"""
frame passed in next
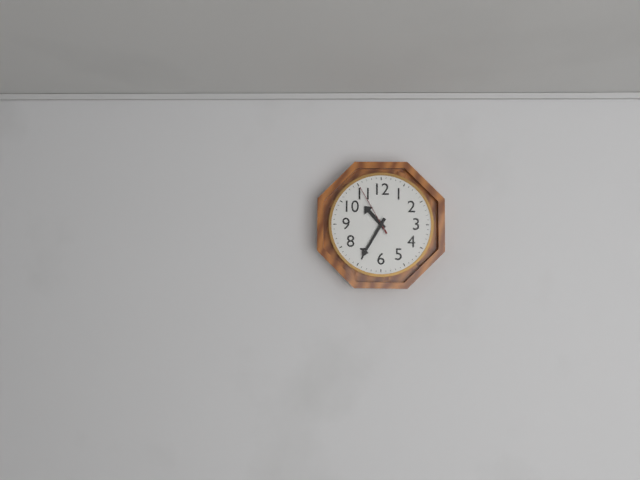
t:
10,35,55
